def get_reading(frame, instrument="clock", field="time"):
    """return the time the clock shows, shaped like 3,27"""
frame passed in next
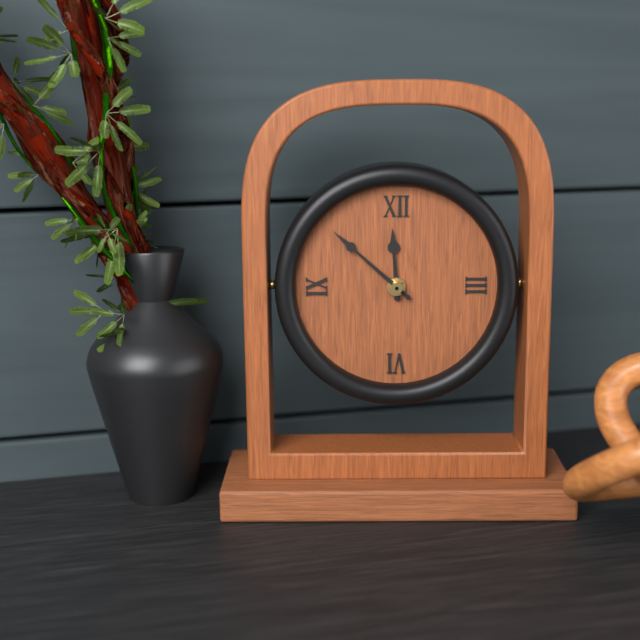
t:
11,52
